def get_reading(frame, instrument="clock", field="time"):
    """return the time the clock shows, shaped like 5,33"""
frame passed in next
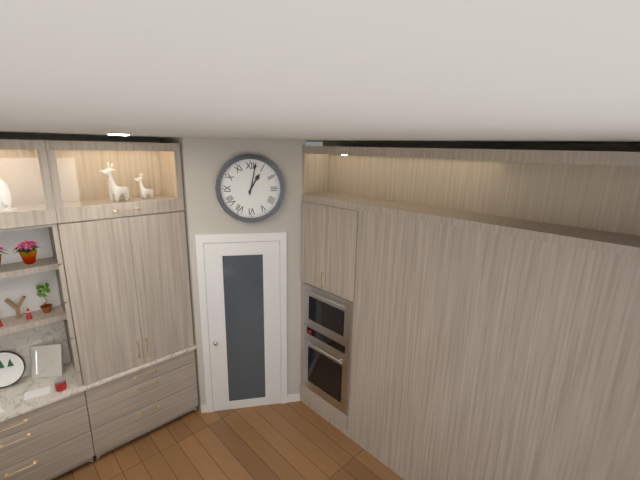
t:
1,02
